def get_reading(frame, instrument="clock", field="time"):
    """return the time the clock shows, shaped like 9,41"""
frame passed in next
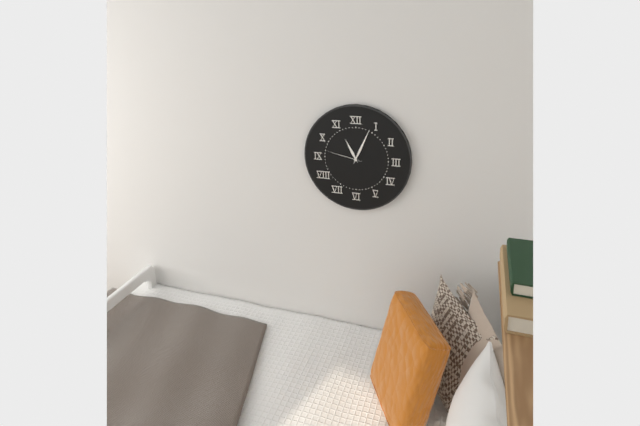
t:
11,04
